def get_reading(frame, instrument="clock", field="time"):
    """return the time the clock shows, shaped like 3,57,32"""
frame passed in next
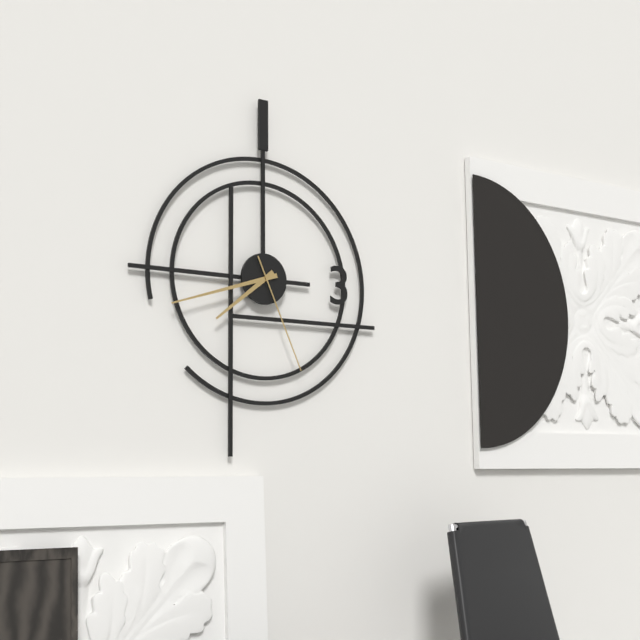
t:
7,42,26
